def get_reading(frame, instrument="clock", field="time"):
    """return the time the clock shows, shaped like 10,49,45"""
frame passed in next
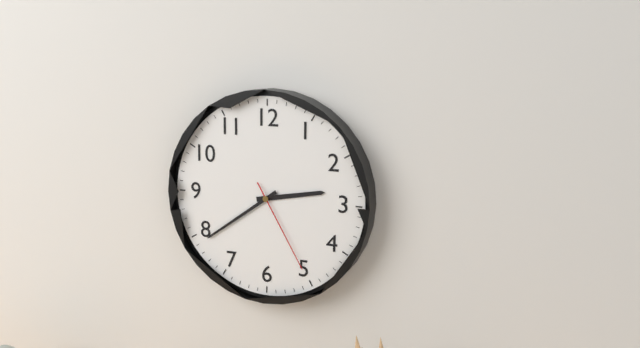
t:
2,39,25
